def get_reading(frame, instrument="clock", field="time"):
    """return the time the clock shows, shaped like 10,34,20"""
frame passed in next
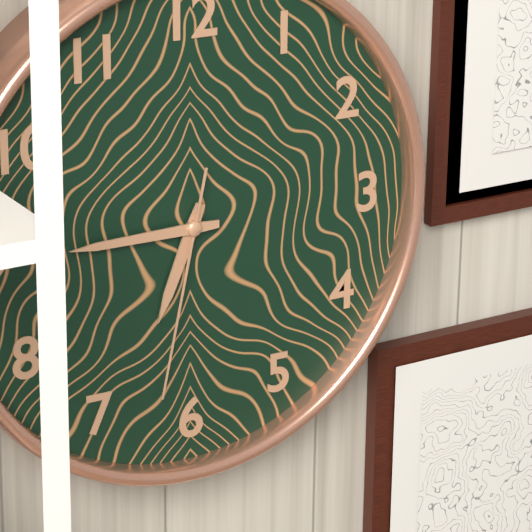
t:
6,45,32
